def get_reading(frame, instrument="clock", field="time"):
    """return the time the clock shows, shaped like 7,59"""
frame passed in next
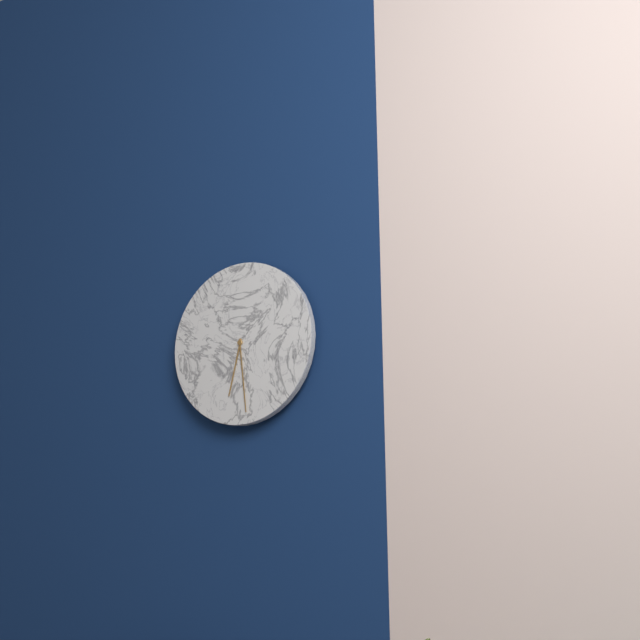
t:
6,29
